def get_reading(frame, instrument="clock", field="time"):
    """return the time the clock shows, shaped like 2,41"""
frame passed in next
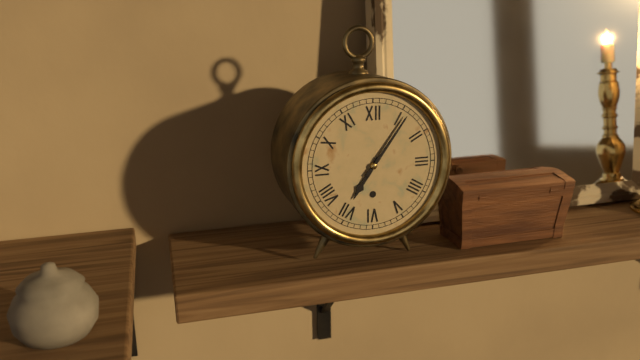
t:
7,06
